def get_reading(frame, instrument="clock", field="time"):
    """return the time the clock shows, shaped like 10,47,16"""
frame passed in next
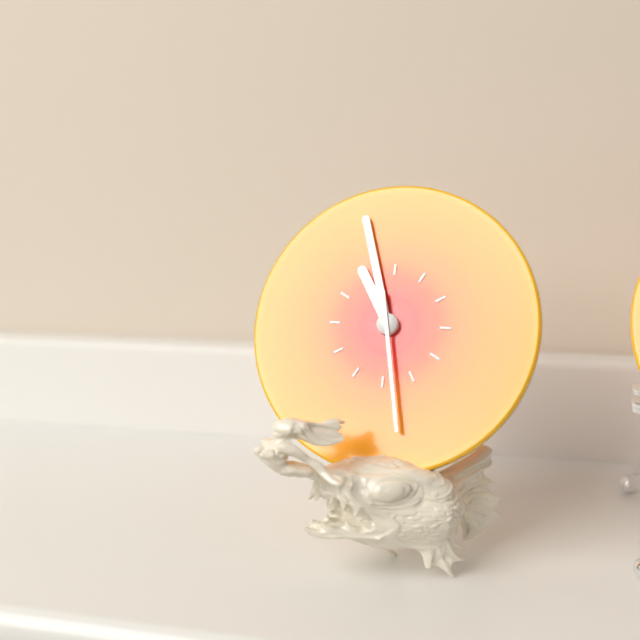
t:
10,57,28
